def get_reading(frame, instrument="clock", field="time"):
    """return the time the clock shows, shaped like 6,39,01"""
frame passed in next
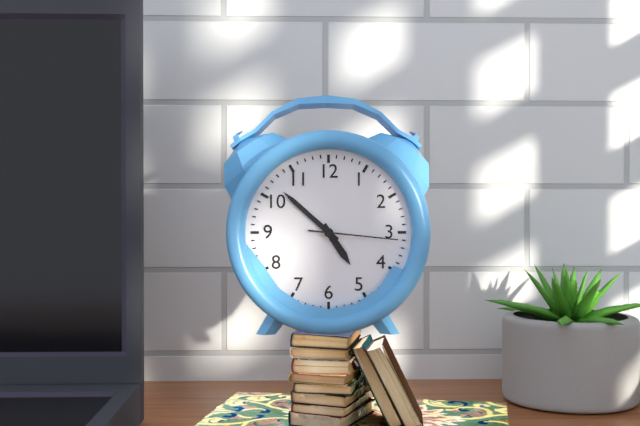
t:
4,52,16
